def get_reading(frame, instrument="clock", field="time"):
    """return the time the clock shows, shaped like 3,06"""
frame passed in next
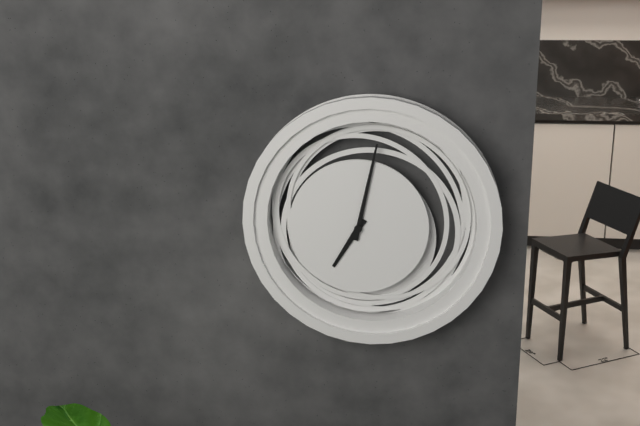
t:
7,02
